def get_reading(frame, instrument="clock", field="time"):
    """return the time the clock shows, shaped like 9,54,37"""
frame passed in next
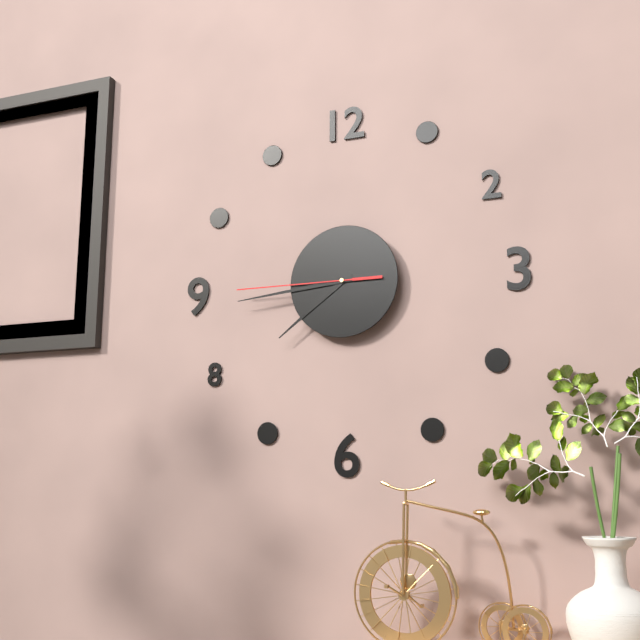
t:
7,44,45
